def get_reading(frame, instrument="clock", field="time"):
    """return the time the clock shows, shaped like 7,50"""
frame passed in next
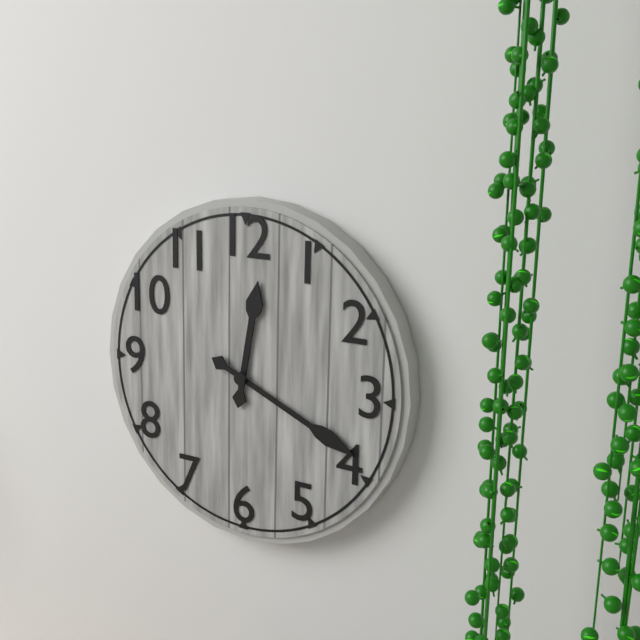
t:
12,19
